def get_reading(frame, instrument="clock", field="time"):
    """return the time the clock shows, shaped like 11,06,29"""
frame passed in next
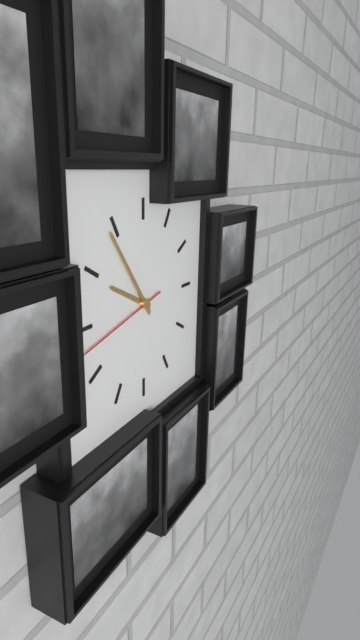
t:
9,54,43
